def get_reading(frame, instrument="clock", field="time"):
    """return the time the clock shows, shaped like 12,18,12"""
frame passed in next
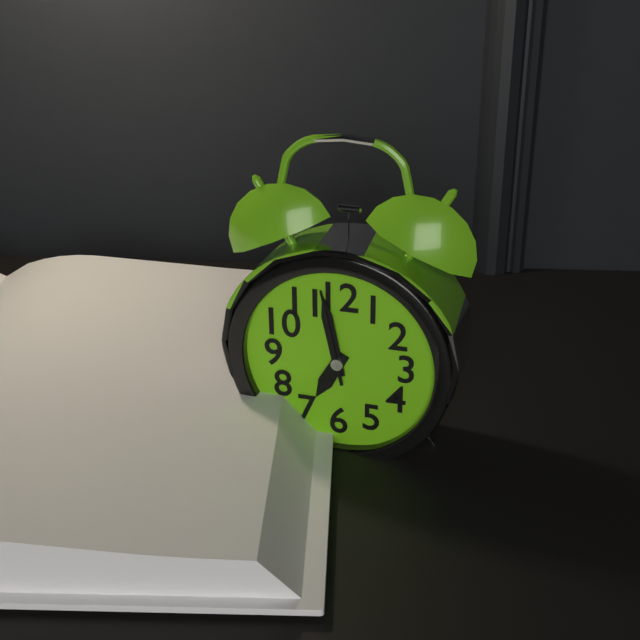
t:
6,58,58
